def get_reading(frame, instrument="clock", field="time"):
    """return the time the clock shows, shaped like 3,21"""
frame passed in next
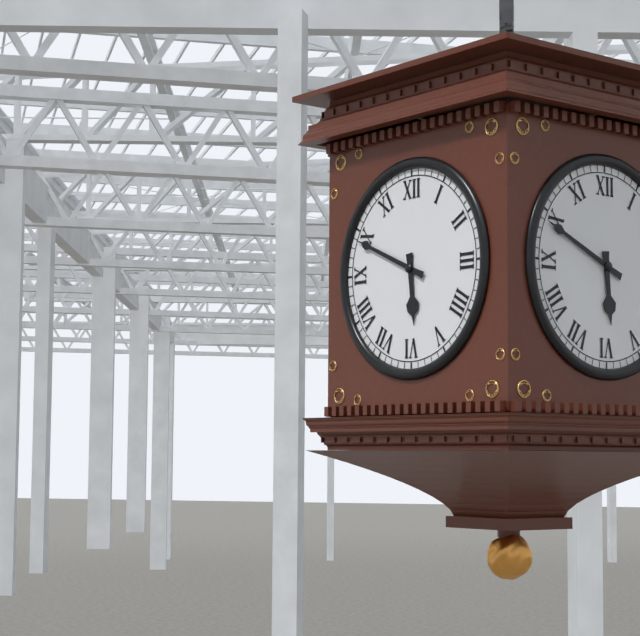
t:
5,49
